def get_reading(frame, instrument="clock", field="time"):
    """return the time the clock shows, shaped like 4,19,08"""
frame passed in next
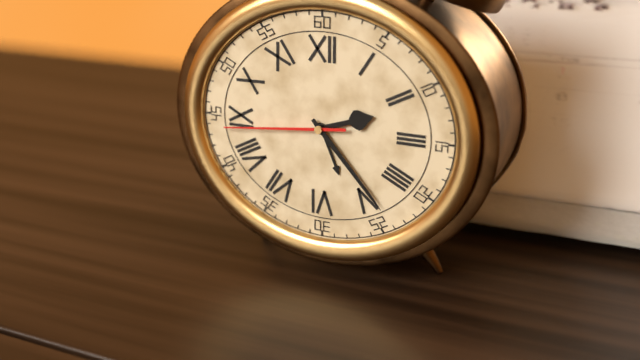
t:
2,23,44
